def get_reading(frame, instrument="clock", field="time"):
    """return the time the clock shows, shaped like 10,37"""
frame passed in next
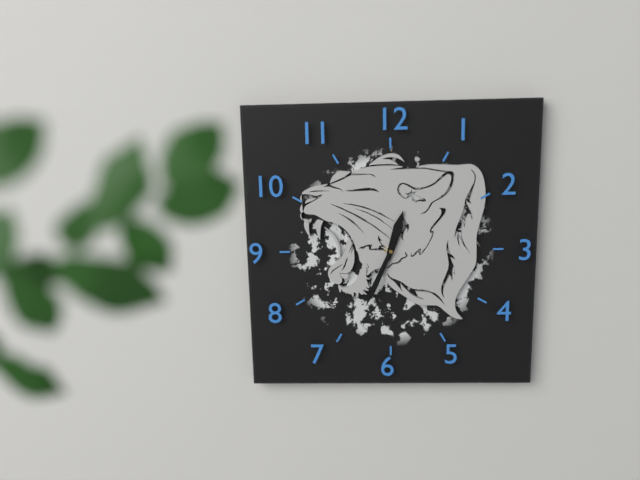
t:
12,34
